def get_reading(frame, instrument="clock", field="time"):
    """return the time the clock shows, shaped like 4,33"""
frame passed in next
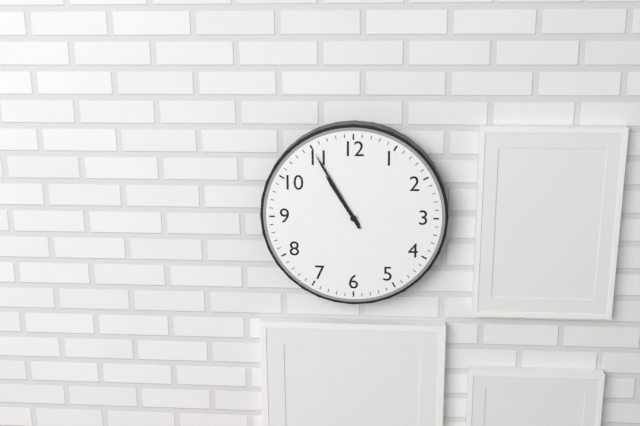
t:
10,55
